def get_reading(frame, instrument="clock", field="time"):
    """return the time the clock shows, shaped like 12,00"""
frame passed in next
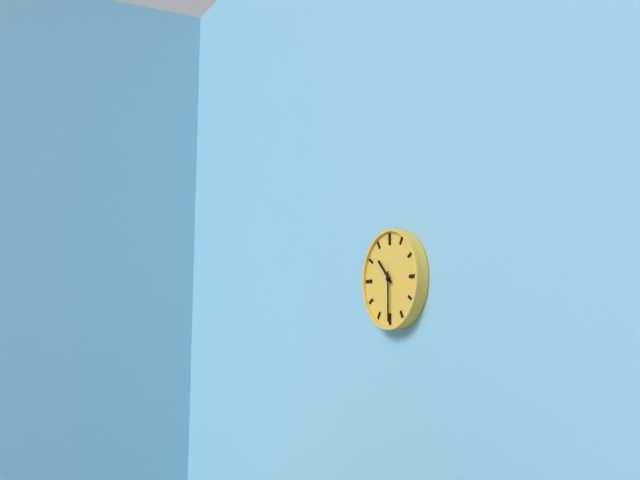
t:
10,30
